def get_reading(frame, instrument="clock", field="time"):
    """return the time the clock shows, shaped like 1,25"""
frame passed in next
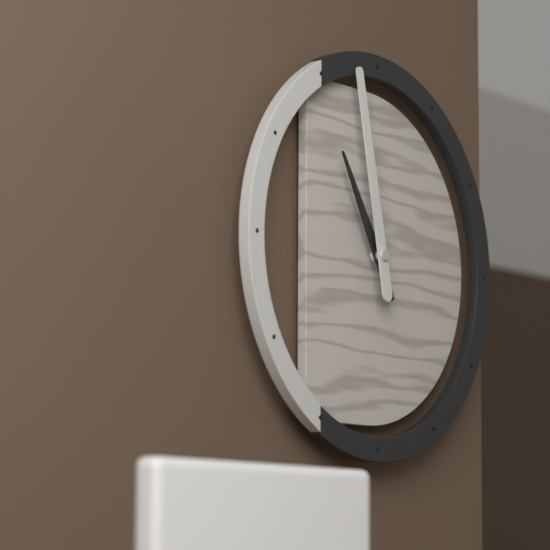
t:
10,58
